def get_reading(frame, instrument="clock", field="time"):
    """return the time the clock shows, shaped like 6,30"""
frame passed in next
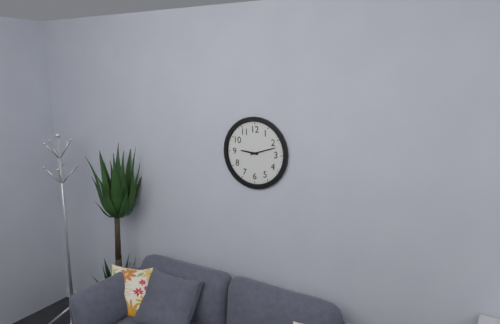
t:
9,12
